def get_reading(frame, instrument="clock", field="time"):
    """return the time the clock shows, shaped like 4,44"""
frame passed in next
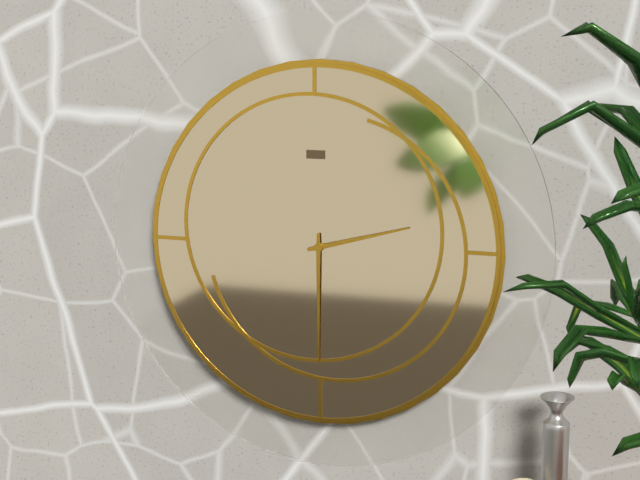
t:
2,30
